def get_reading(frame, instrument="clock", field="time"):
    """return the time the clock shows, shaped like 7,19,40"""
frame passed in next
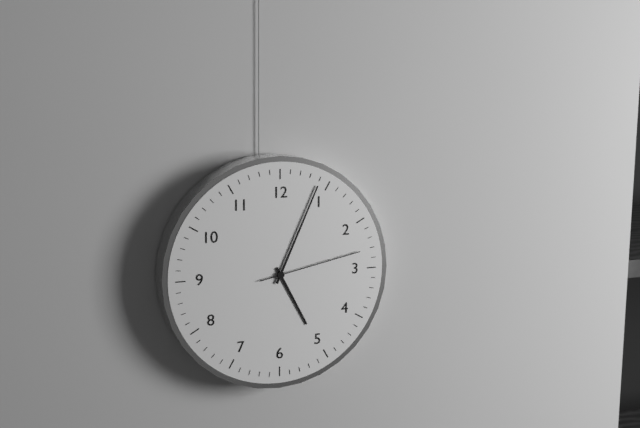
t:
5,04,13
